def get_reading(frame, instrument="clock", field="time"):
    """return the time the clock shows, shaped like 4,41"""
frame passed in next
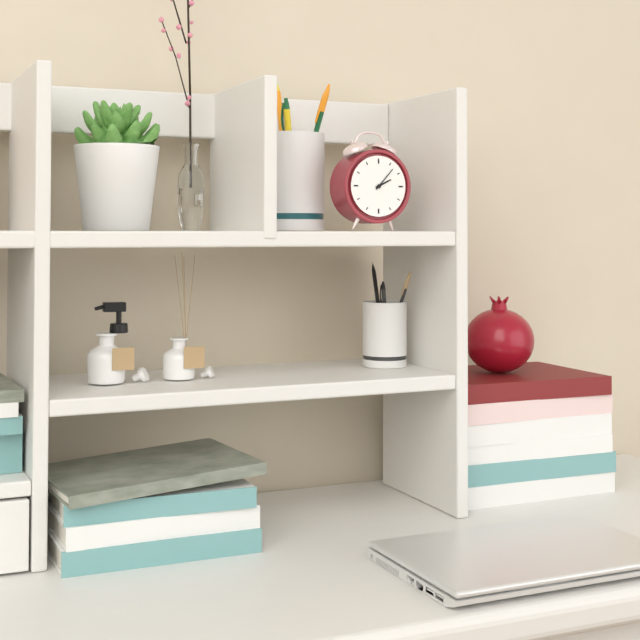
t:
2,07
